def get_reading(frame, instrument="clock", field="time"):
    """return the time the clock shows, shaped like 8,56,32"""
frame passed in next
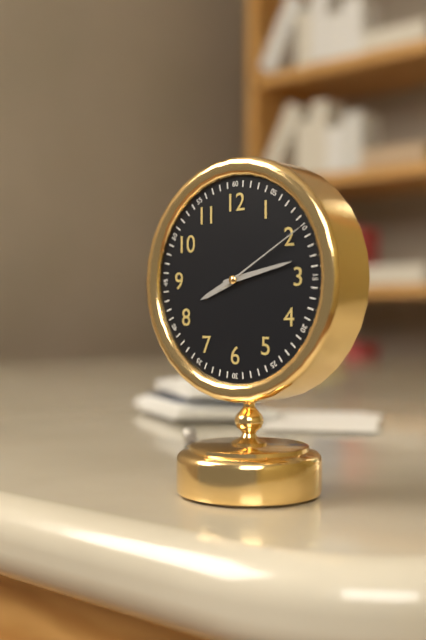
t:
8,13,10
